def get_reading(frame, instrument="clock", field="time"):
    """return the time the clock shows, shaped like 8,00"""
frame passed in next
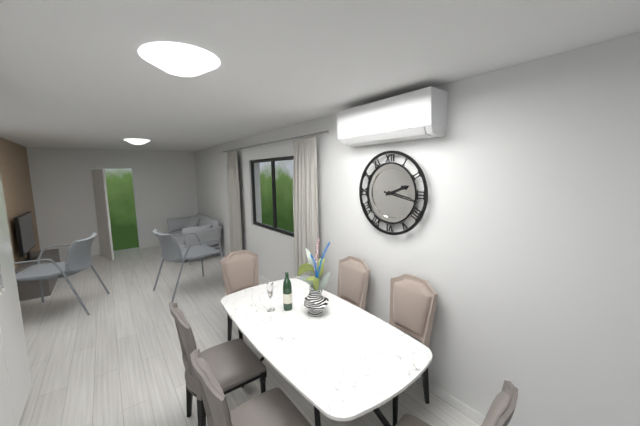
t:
2,17
